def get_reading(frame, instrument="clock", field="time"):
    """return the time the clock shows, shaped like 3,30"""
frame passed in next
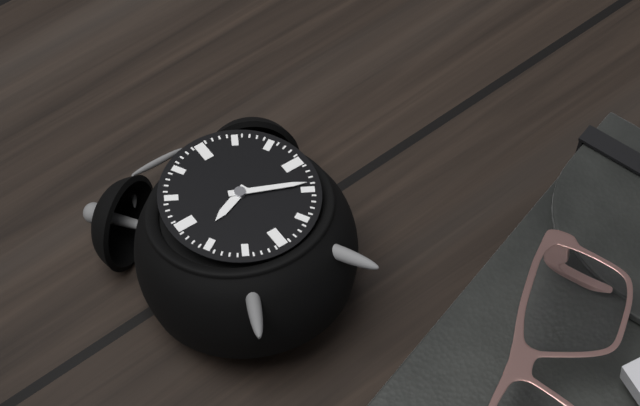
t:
8,19
